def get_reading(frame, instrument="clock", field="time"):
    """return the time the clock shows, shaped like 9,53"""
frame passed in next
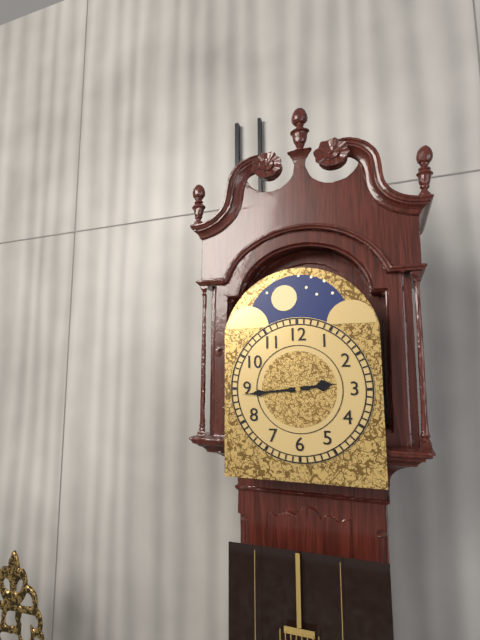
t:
2,44
